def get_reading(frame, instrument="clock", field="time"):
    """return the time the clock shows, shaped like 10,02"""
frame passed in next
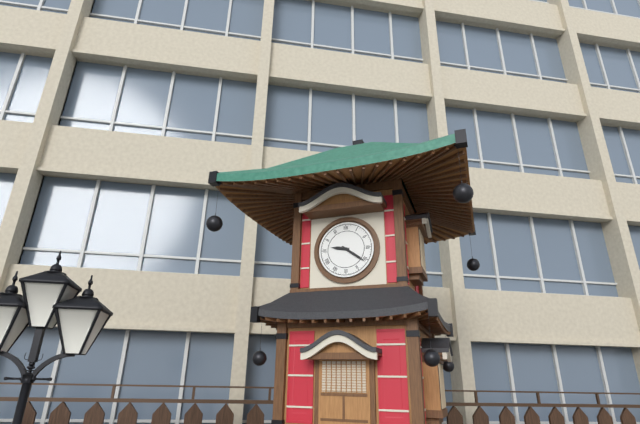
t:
9,21
